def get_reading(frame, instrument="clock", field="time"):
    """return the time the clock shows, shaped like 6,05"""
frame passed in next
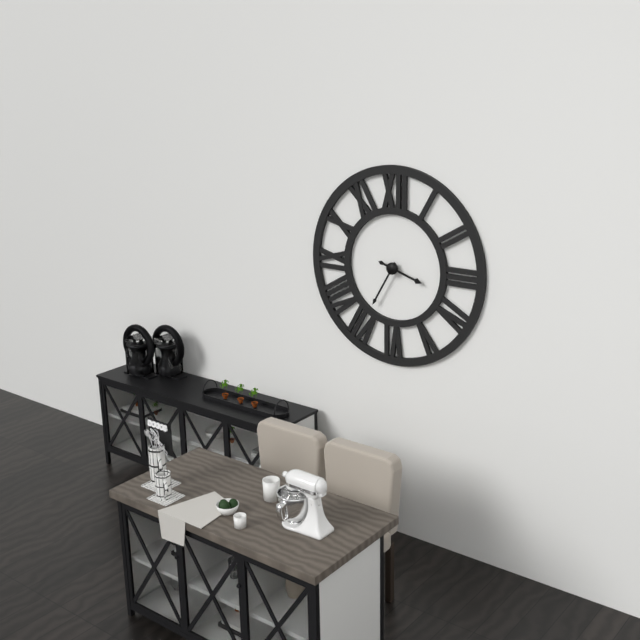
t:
3,35
